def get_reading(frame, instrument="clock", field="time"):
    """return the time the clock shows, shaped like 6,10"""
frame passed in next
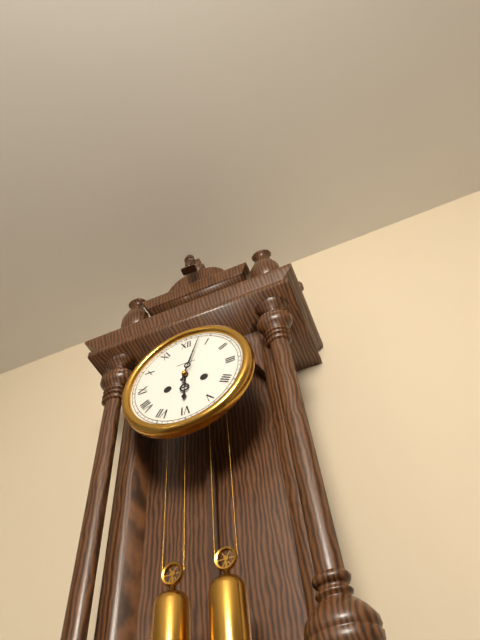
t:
6,03
